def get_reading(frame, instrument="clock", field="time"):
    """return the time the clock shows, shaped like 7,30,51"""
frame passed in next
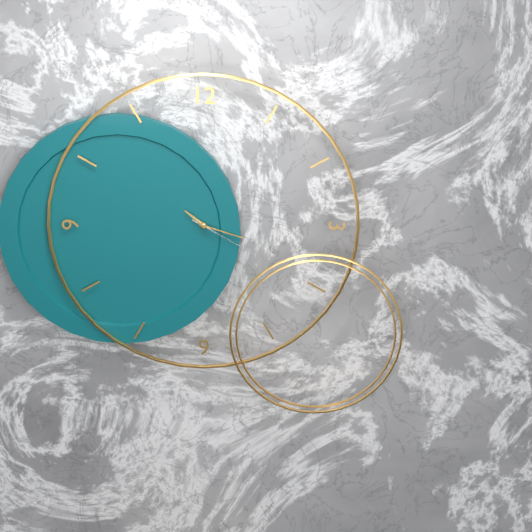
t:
10,18,20
